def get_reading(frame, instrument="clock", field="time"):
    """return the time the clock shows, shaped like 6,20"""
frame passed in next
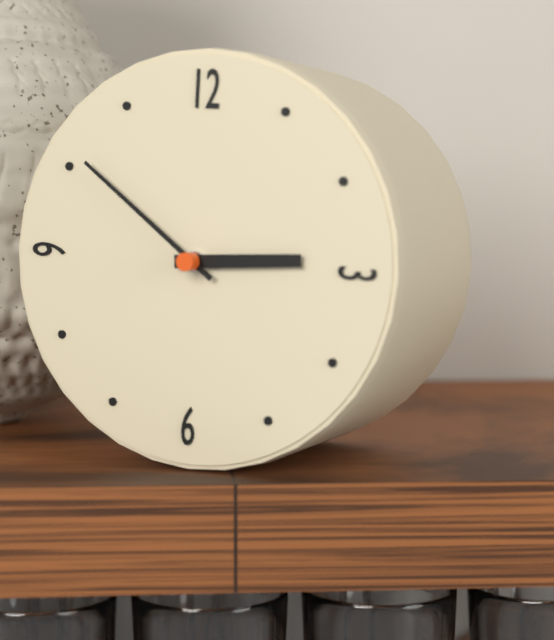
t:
2,51
